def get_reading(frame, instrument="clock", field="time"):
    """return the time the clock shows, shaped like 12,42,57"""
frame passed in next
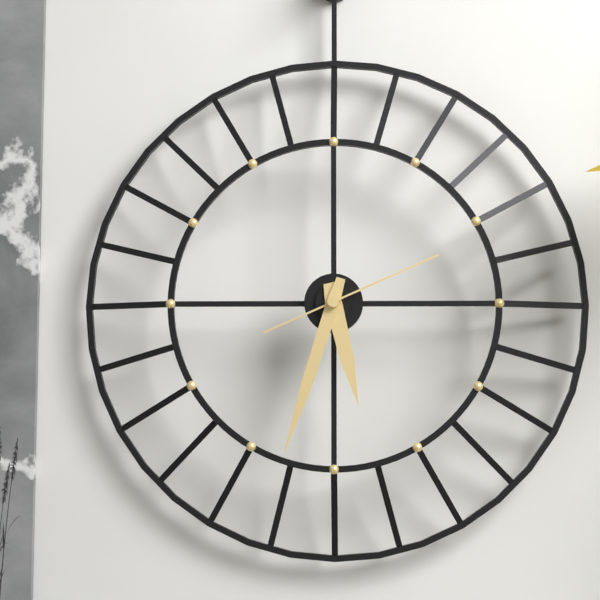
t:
5,33,11
